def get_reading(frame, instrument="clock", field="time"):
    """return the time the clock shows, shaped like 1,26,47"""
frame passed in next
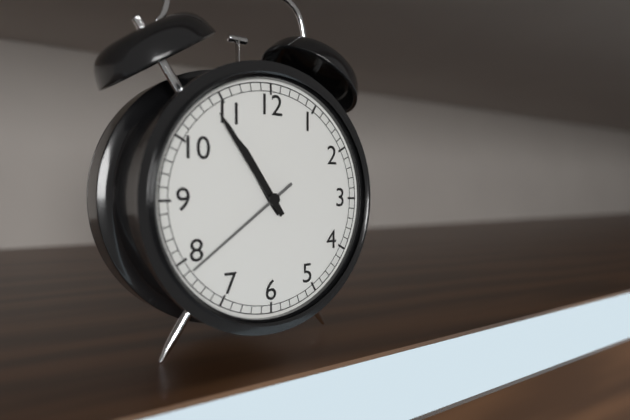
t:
10,54,39
